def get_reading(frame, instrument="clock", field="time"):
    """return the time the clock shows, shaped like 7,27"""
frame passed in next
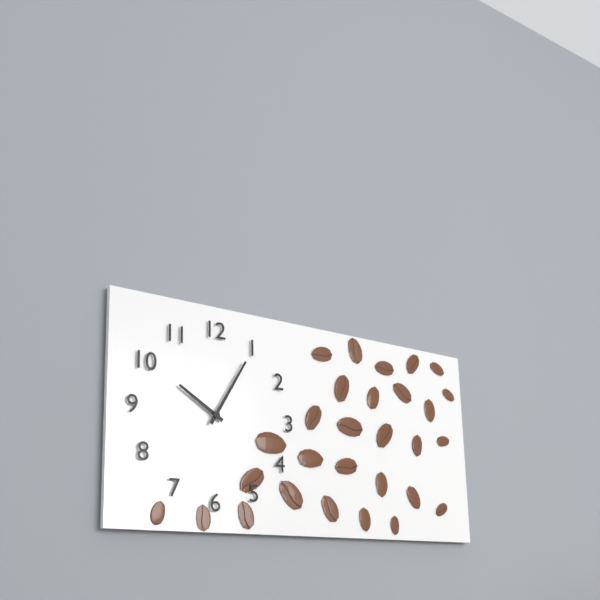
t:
10,05
